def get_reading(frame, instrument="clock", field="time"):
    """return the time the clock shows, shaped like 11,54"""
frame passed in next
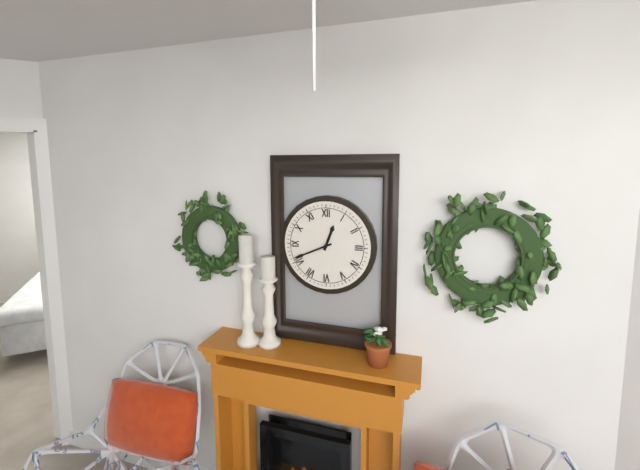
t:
12,41
